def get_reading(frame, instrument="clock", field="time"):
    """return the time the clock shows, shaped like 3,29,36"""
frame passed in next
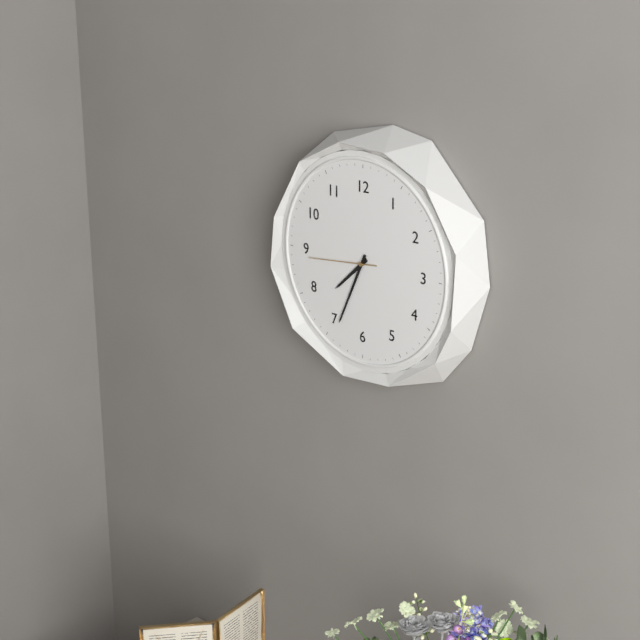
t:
7,34,44
